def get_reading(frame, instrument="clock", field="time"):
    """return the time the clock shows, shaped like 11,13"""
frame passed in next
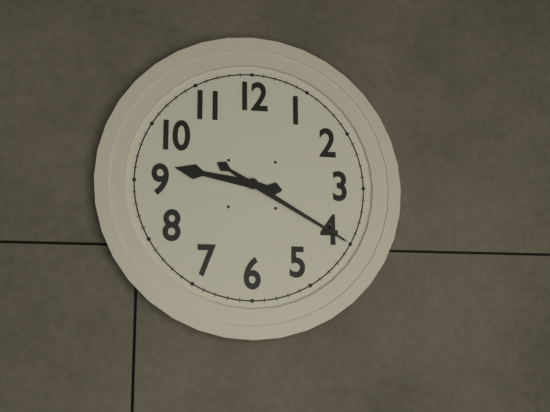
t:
9,20
